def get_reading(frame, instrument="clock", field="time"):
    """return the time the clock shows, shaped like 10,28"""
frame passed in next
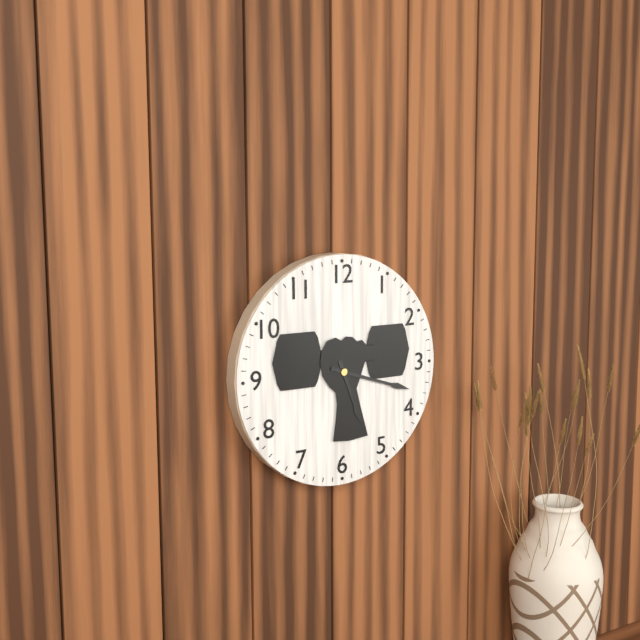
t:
5,18
